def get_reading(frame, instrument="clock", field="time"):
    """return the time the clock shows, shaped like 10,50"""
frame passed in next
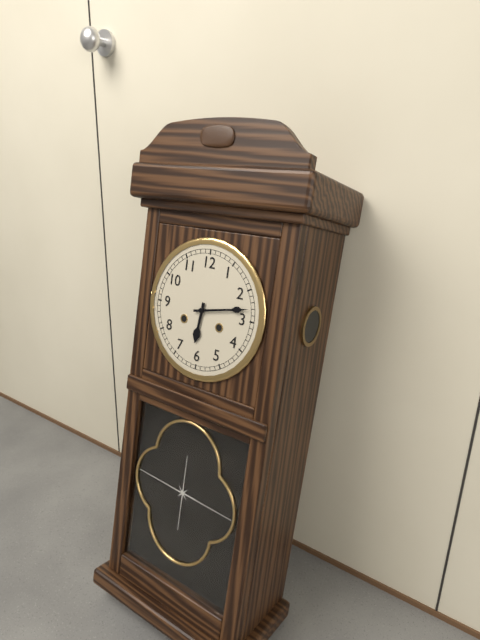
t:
6,13
